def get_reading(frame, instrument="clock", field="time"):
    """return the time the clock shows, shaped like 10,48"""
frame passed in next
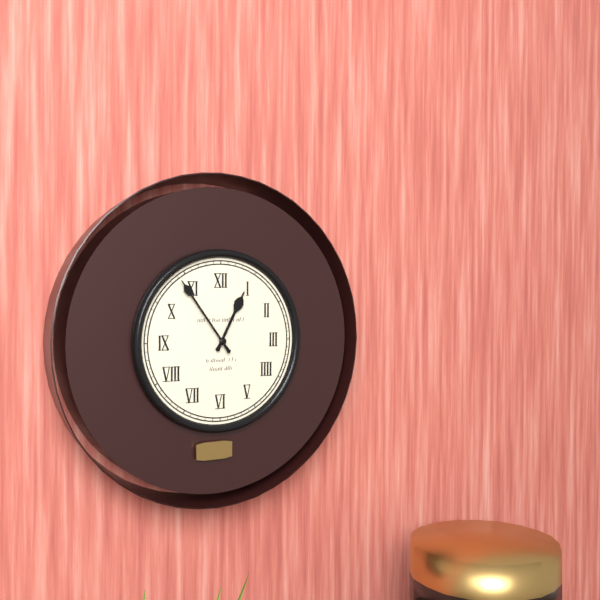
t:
12,54
